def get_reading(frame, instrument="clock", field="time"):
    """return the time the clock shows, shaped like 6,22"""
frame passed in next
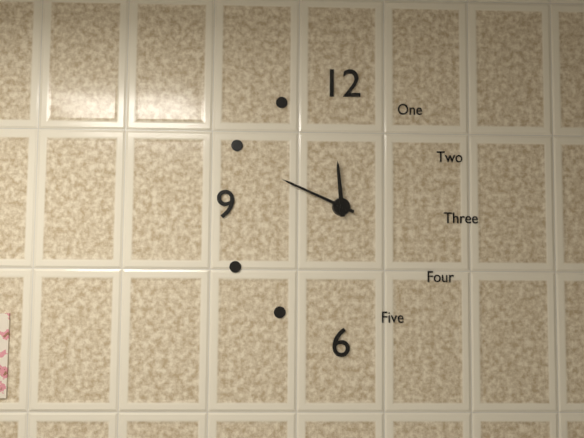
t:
11,49
